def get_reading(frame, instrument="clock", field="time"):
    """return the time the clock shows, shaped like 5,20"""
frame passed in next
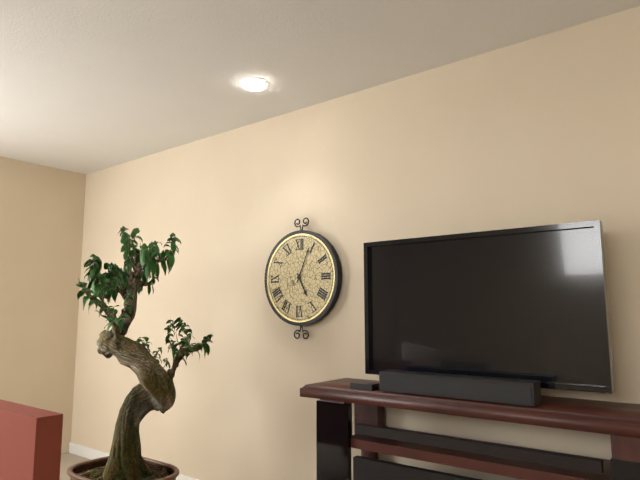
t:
5,04
